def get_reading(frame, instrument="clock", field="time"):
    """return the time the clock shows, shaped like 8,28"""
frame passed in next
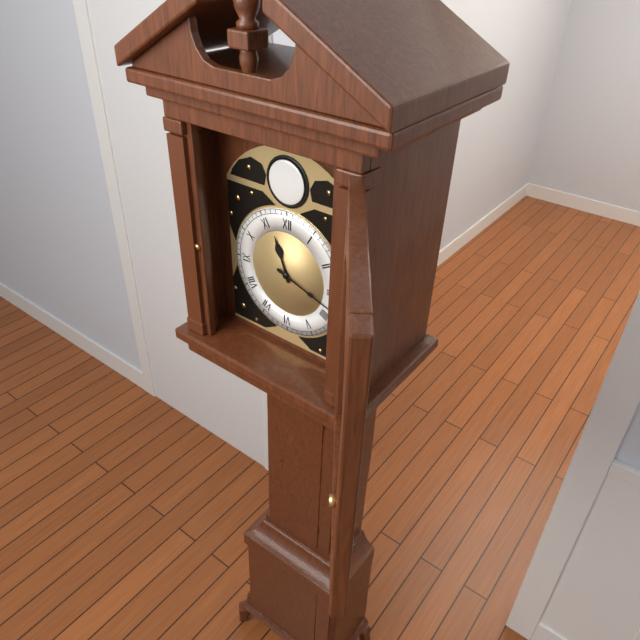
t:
11,18
